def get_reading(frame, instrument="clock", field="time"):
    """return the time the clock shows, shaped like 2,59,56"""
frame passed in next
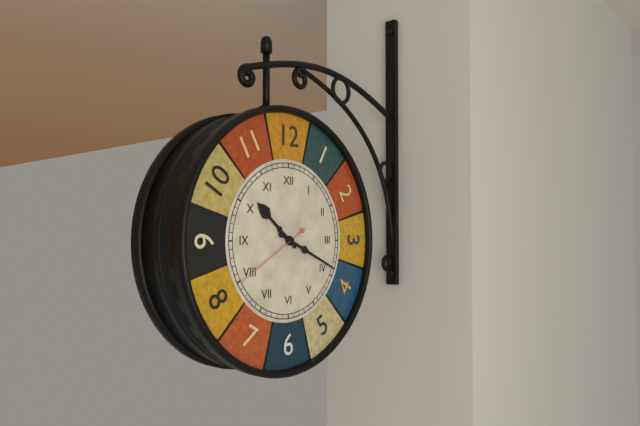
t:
10,19,40
